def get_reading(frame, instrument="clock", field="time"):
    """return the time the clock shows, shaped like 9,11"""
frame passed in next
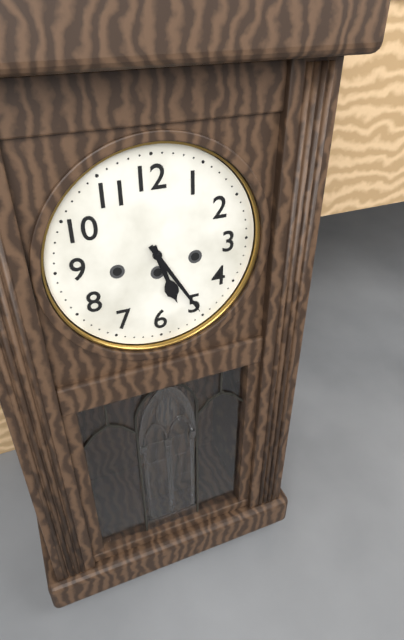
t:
5,25
